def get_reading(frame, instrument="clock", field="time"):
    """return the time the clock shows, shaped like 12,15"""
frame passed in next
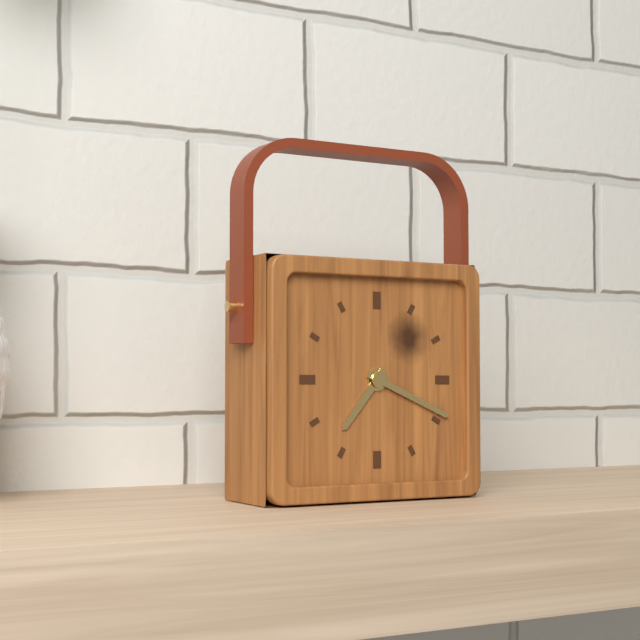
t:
7,19
